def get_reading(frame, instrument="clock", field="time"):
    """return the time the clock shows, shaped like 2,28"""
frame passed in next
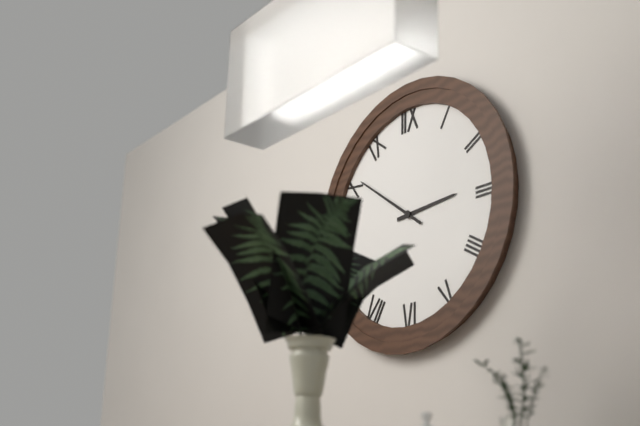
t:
2,51
